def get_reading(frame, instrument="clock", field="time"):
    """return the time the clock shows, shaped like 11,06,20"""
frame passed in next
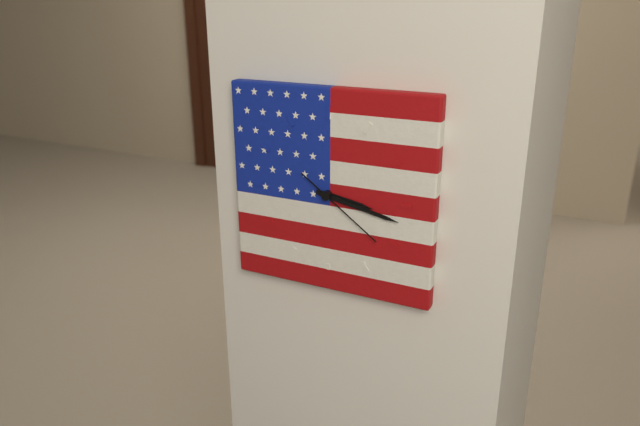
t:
3,17,21
